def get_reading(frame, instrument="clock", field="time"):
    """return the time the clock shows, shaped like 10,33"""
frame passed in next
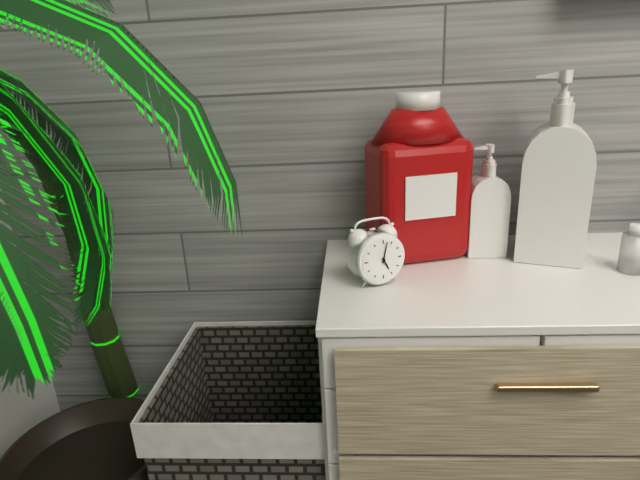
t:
5,02
